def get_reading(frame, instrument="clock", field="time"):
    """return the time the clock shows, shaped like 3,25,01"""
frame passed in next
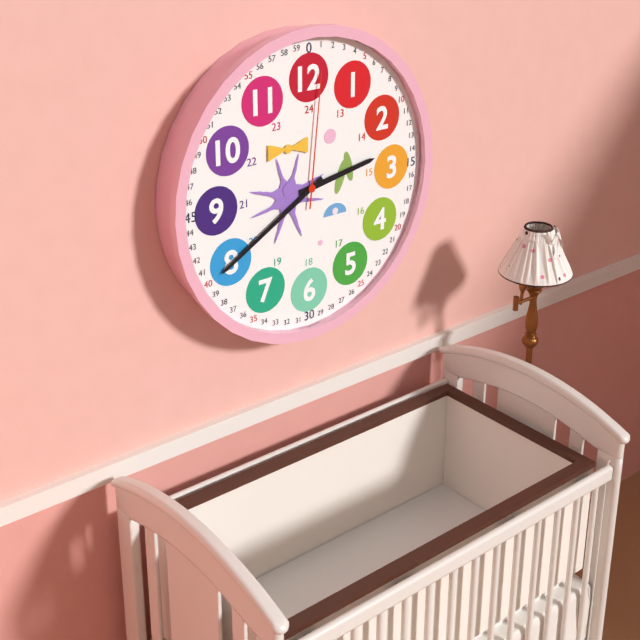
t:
2,40,01
